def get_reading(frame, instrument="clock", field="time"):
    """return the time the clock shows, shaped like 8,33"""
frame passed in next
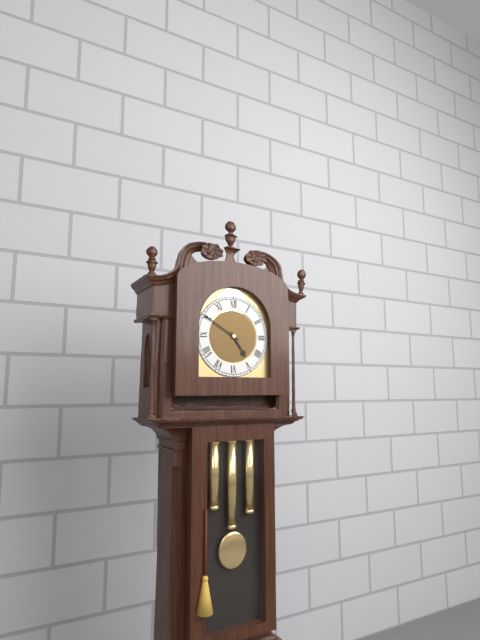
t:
4,50
